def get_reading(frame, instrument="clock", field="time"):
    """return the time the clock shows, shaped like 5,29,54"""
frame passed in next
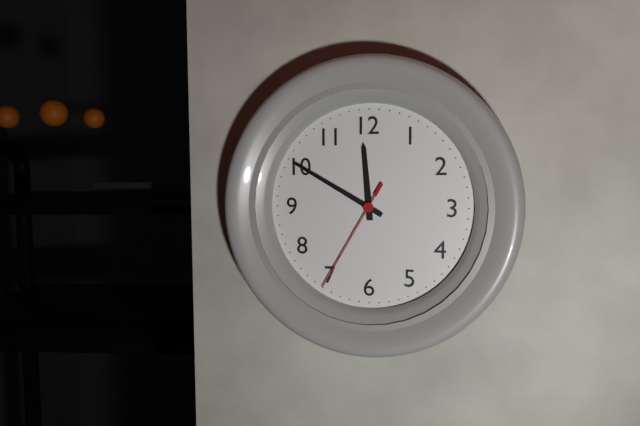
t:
11,50,35
